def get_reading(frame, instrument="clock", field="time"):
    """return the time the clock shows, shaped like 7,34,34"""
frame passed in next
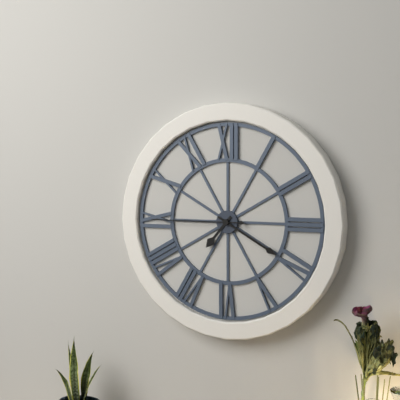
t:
7,20,45
